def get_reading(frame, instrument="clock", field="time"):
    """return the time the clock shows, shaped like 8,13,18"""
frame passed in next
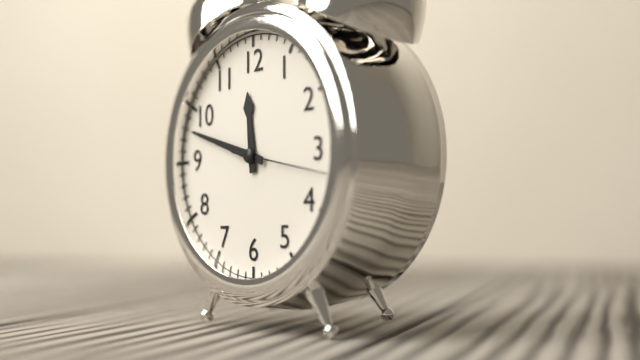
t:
11,48,17
